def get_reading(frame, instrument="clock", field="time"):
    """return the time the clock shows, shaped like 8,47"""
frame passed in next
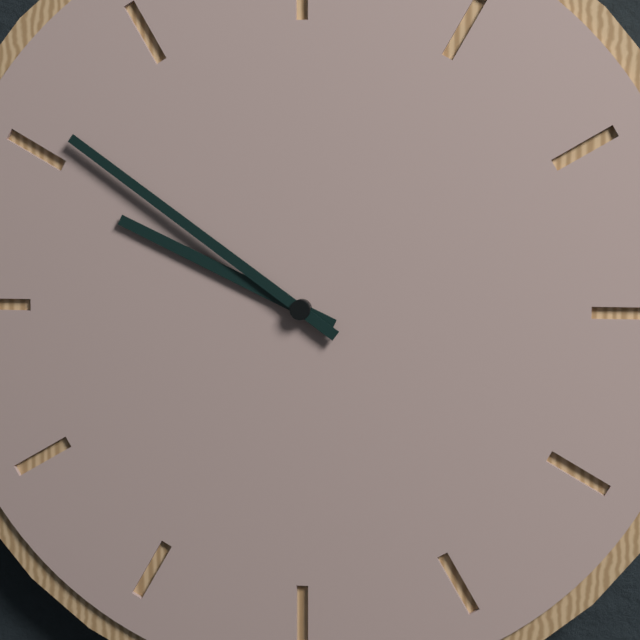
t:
9,51
